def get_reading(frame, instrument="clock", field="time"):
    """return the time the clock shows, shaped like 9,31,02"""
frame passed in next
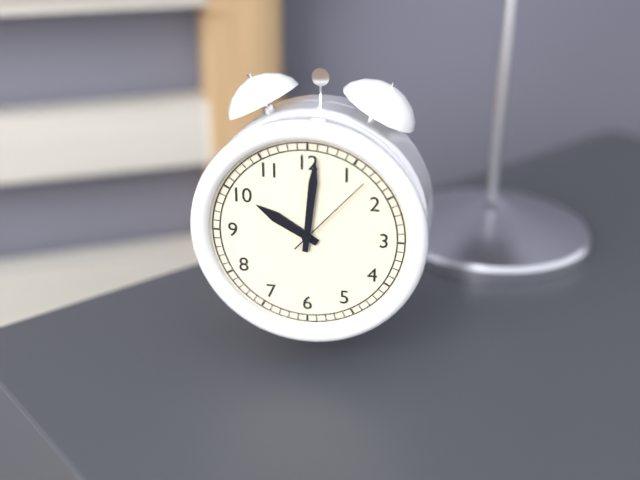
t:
10,01,07
